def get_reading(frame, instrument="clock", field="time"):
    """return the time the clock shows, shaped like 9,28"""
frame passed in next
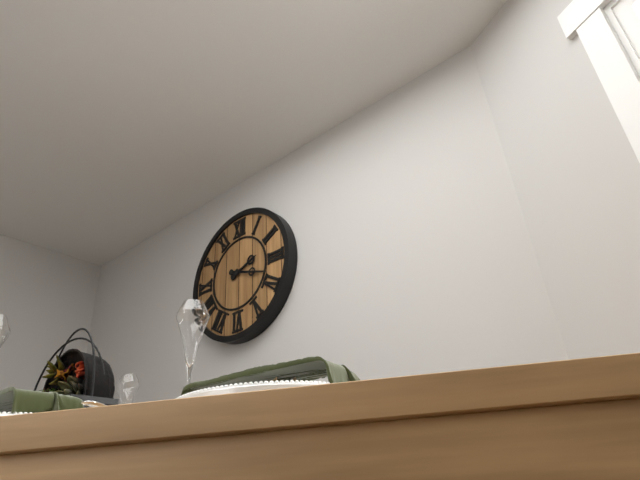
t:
2,18
